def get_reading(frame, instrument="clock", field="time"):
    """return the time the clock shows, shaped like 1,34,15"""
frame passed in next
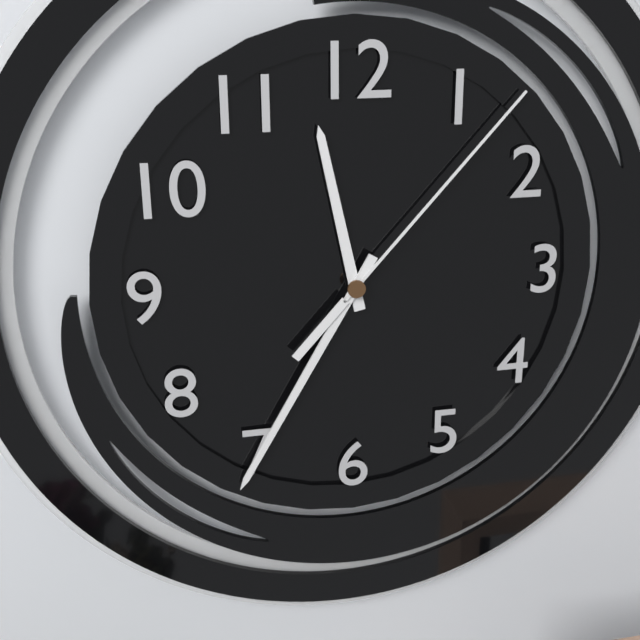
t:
11,35,07
